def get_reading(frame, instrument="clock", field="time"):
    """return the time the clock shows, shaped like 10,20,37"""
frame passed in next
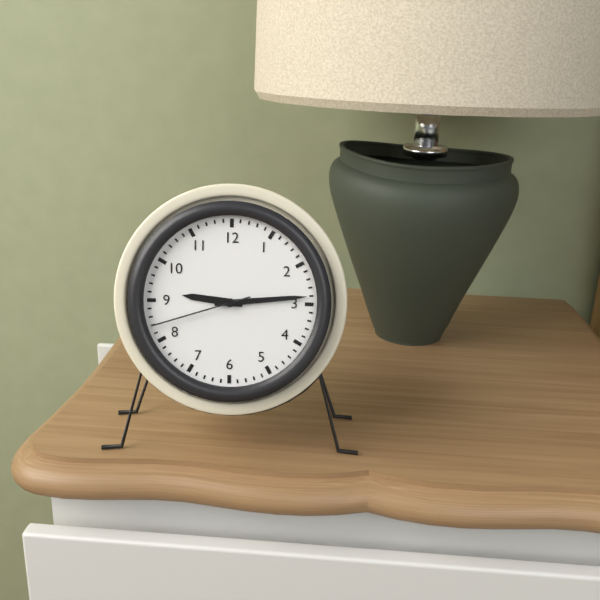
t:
9,14,42
